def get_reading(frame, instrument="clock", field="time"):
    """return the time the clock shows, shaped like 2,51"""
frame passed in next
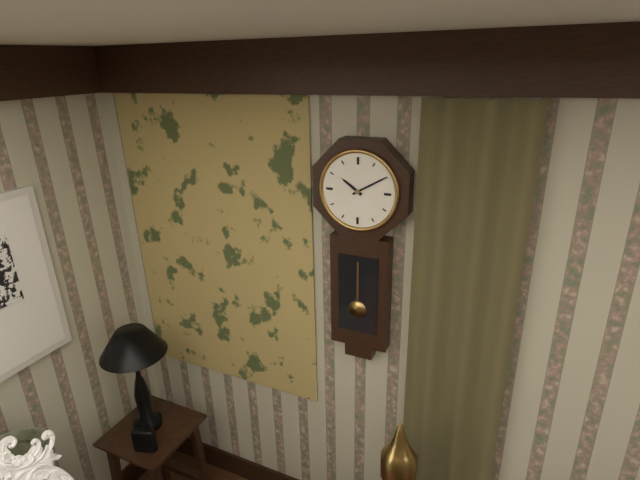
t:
10,10
